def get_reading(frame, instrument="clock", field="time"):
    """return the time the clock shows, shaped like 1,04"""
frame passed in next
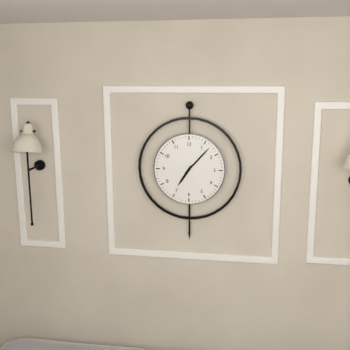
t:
7,07
